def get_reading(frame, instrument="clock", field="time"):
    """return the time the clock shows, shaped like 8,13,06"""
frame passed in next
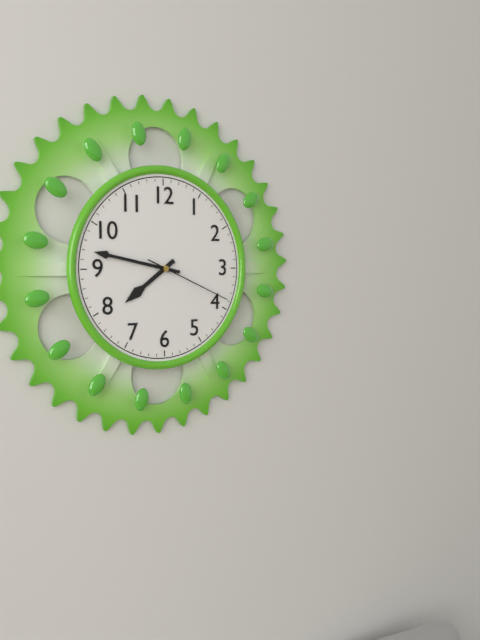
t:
7,47,19
